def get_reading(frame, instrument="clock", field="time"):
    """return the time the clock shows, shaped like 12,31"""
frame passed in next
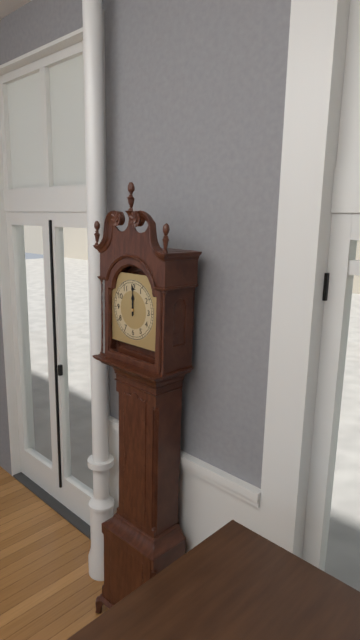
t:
12,00
